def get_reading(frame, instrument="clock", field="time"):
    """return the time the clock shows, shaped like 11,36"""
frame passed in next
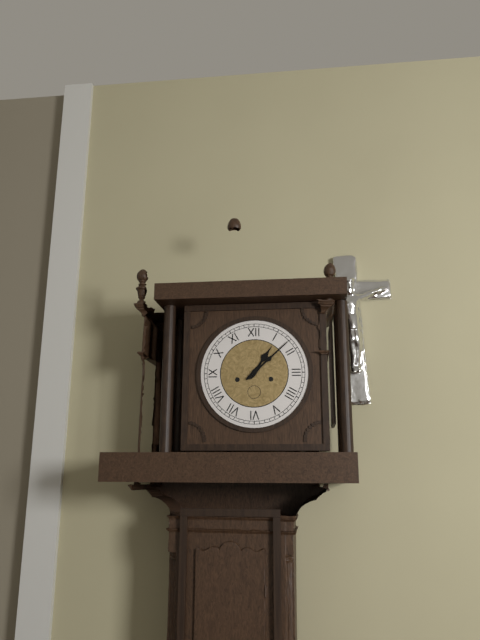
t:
1,08
